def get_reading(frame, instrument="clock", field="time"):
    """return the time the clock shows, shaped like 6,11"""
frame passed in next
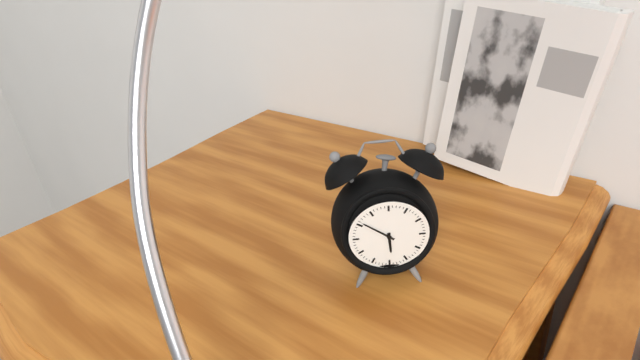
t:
5,51
